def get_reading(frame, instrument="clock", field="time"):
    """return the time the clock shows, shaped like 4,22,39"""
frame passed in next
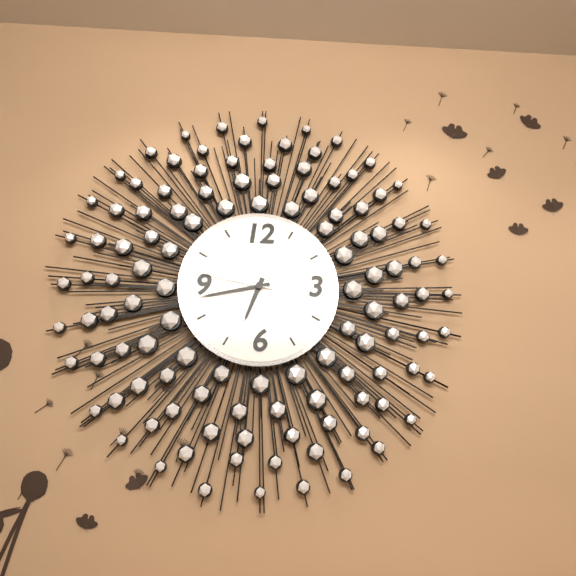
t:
6,43,47
